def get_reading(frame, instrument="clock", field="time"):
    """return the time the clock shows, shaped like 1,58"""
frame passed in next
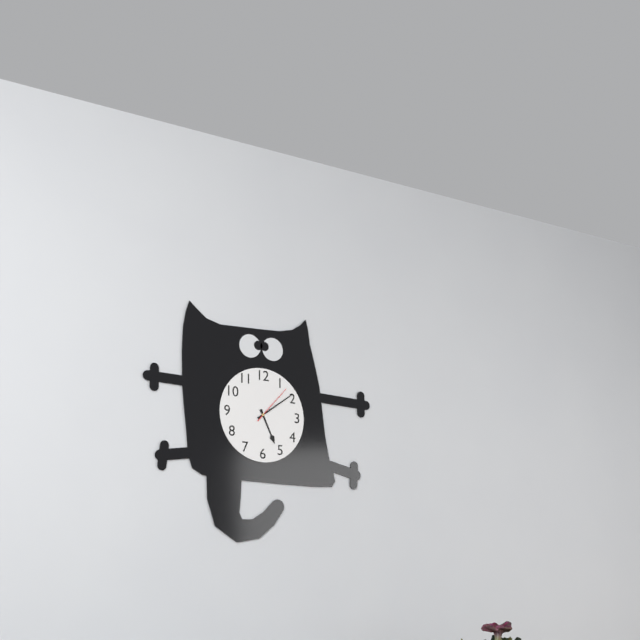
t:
5,09
